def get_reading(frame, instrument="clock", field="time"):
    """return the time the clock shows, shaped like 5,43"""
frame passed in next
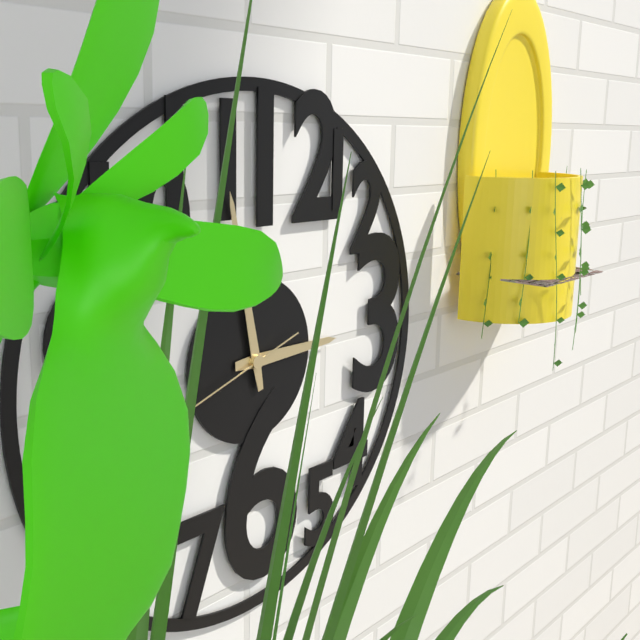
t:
2,58
